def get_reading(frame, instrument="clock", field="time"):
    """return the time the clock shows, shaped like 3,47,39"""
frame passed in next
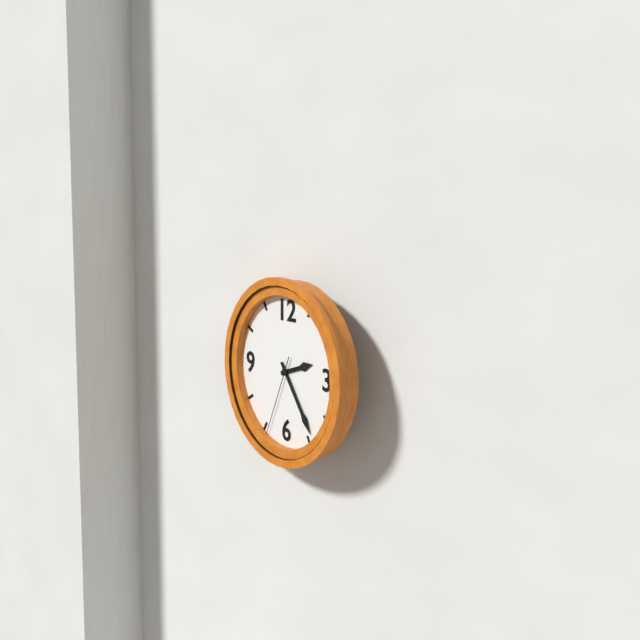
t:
2,24,34
